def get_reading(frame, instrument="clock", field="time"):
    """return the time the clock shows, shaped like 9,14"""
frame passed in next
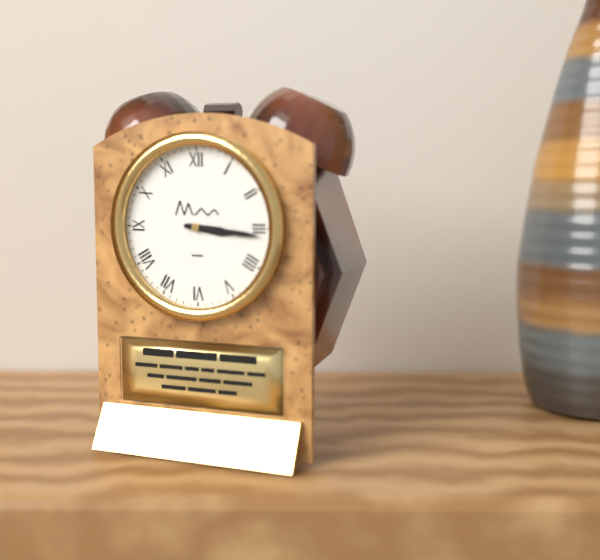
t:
3,16
